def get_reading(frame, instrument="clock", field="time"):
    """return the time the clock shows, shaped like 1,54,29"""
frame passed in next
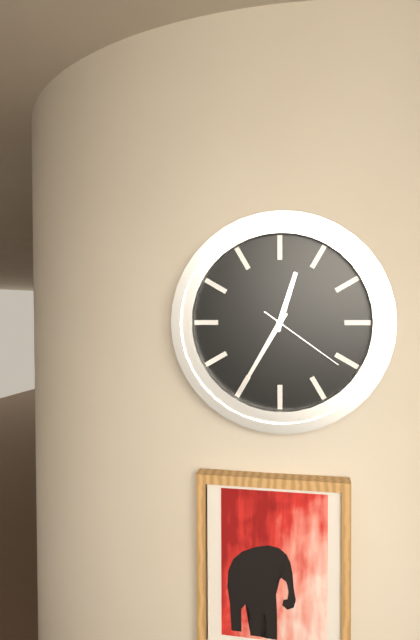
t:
12,35,21
